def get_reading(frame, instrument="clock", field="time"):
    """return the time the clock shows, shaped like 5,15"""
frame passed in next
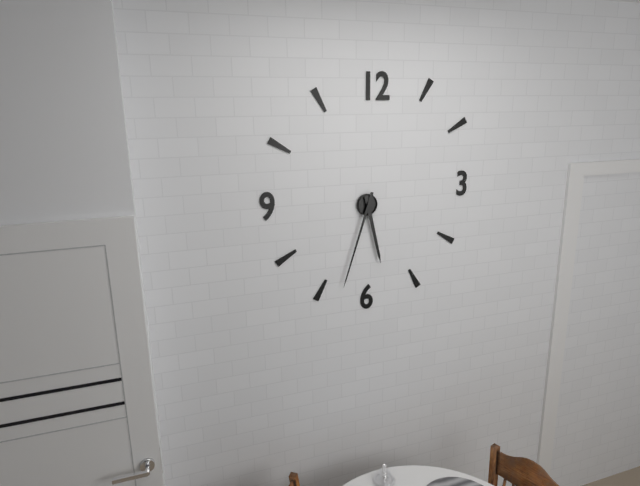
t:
5,33
